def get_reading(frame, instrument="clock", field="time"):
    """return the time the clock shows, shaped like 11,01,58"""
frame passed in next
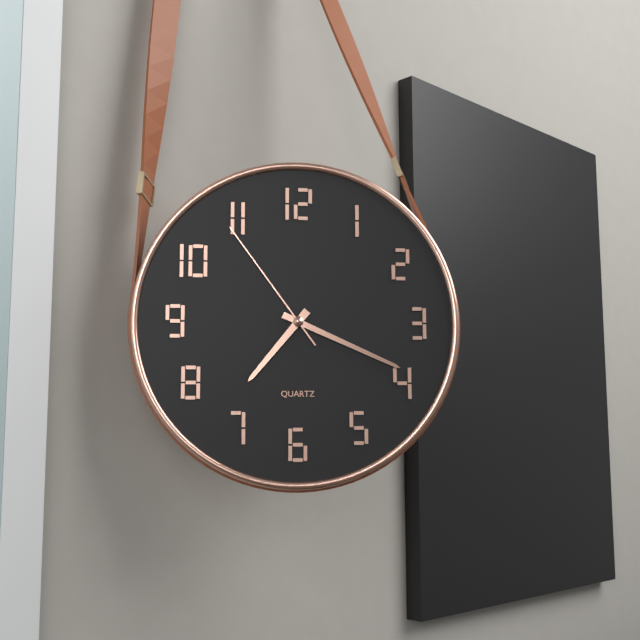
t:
7,19,54
